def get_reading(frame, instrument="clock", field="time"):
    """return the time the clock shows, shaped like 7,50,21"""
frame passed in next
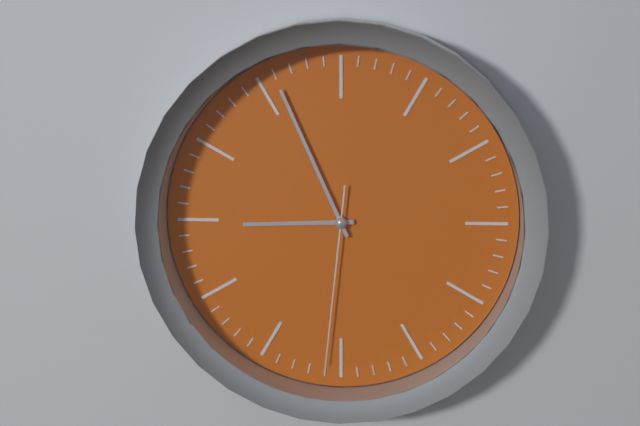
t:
8,56,31
